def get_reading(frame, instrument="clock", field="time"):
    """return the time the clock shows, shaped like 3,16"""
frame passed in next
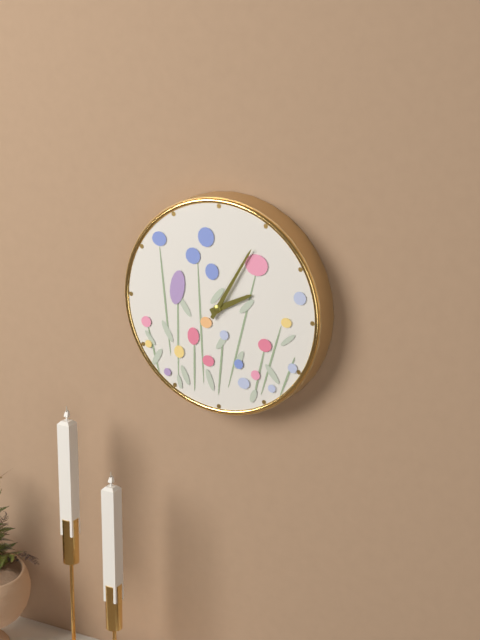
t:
2,05
